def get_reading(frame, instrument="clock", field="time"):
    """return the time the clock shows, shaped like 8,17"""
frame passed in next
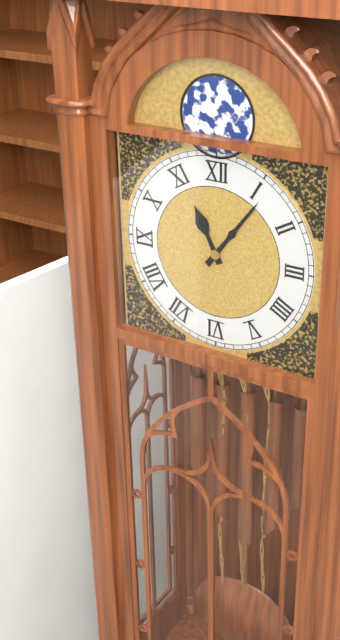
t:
11,06
